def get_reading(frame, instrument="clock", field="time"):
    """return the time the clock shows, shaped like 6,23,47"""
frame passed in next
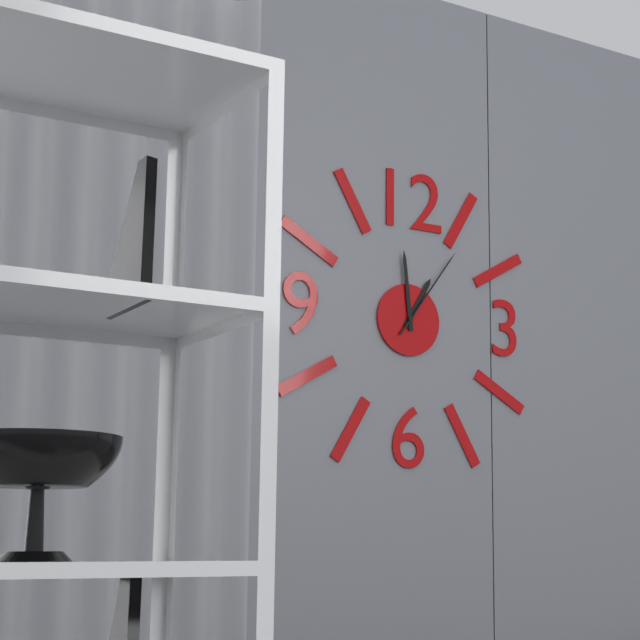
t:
12,59,06
